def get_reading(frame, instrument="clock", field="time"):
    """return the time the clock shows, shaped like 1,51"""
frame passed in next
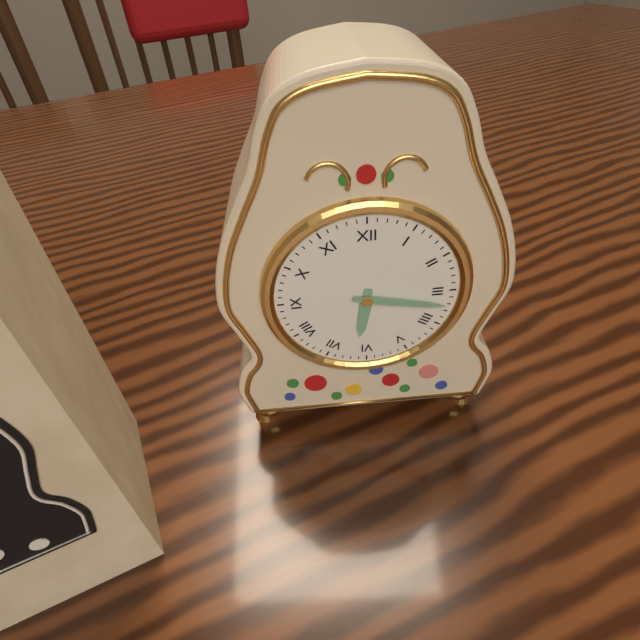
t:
6,17
